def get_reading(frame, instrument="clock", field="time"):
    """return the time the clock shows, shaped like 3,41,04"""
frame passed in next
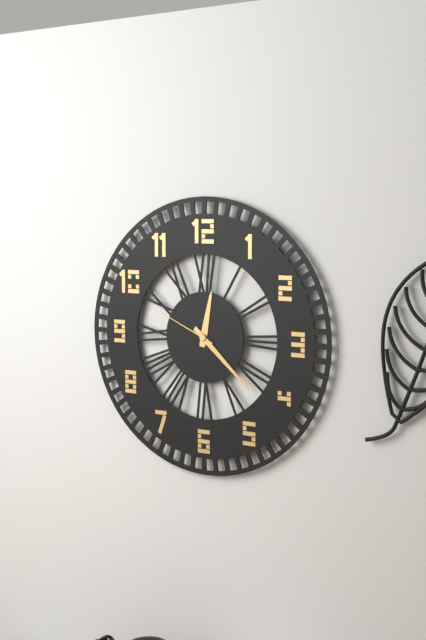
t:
12,22,49
